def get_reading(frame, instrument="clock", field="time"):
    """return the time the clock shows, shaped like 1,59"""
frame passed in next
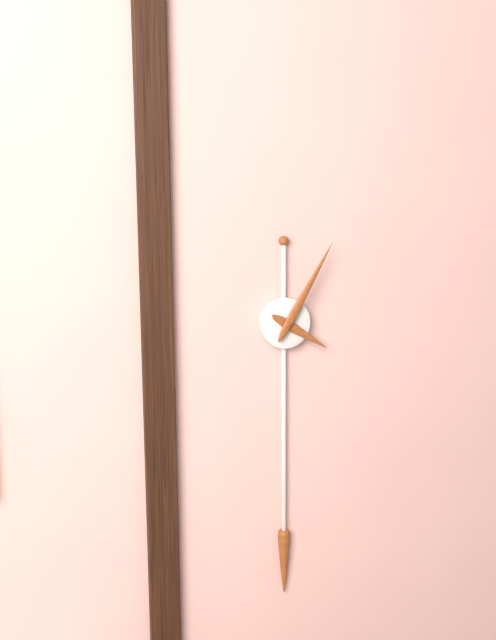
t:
4,05
